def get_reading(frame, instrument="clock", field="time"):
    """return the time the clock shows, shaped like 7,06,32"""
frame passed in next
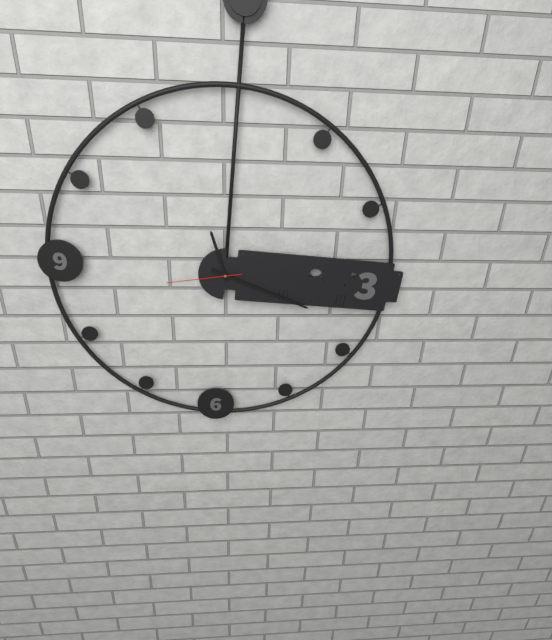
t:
11,18,43
